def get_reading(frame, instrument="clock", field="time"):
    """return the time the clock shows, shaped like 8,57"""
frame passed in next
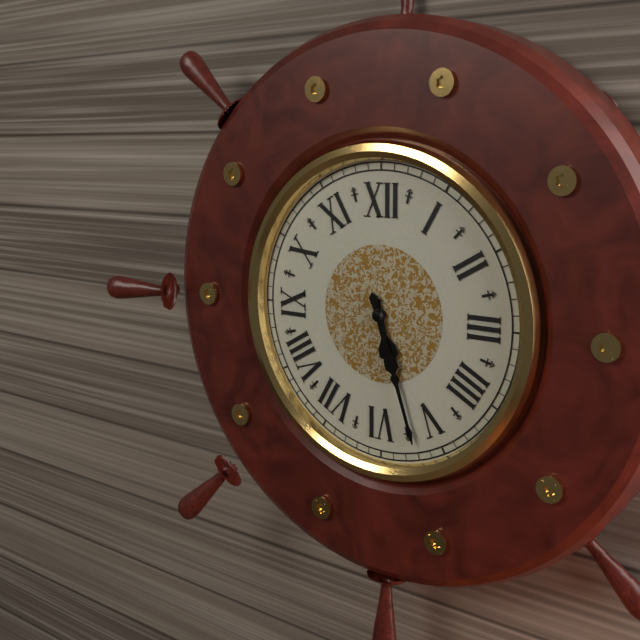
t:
5,27
